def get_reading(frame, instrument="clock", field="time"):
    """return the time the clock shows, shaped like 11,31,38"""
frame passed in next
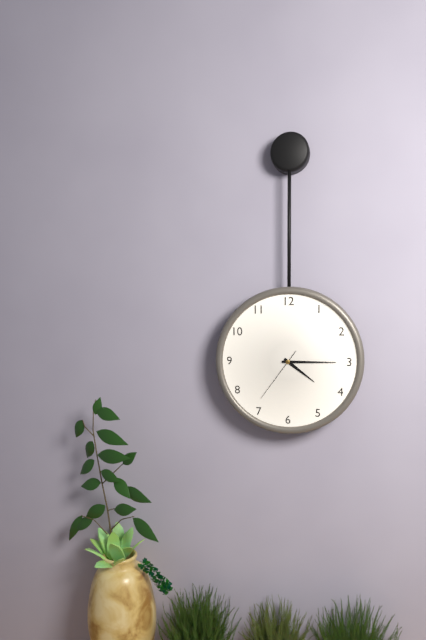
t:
4,15,36
